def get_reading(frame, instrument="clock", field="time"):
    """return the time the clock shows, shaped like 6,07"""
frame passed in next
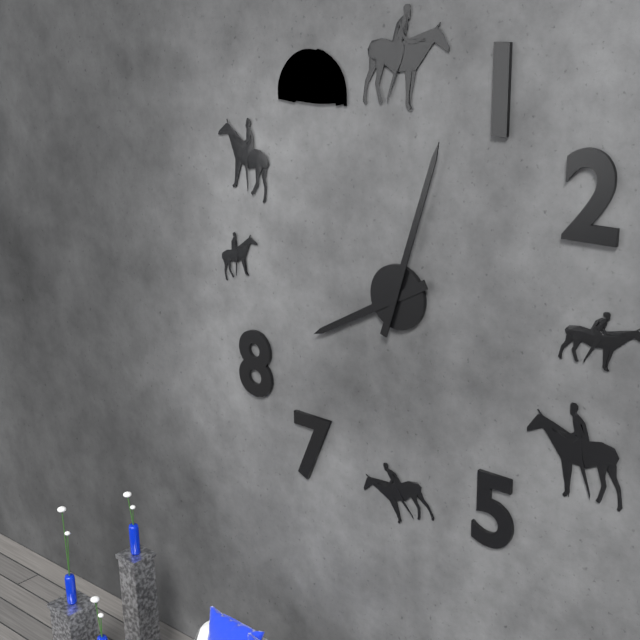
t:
8,03
